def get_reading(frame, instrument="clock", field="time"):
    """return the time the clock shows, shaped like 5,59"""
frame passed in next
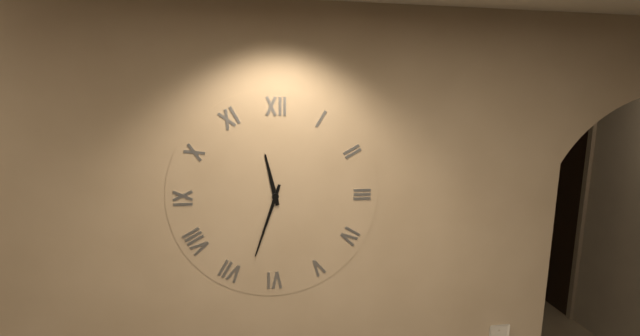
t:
11,33
